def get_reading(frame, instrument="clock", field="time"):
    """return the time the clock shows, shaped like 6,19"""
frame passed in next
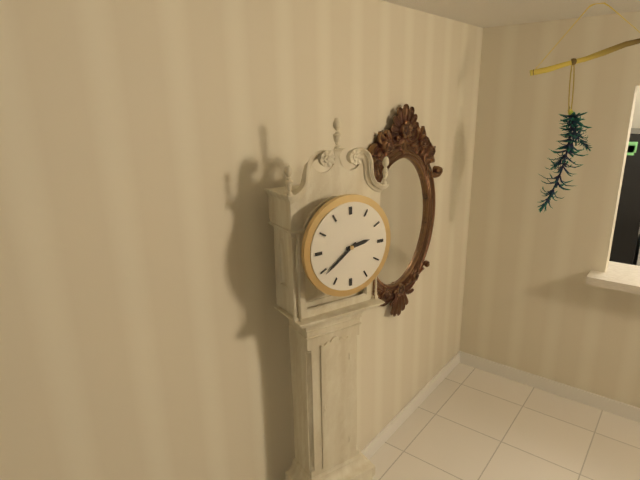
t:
2,39
